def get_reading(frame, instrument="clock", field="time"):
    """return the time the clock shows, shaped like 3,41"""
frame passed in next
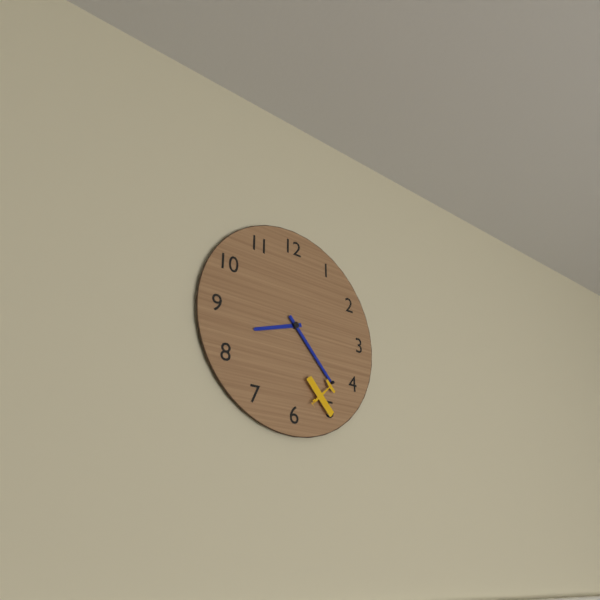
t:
8,23
